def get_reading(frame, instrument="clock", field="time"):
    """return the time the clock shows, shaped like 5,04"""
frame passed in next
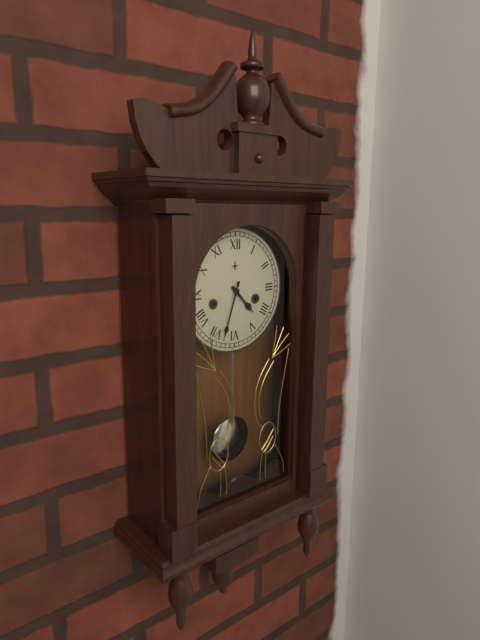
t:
4,33
